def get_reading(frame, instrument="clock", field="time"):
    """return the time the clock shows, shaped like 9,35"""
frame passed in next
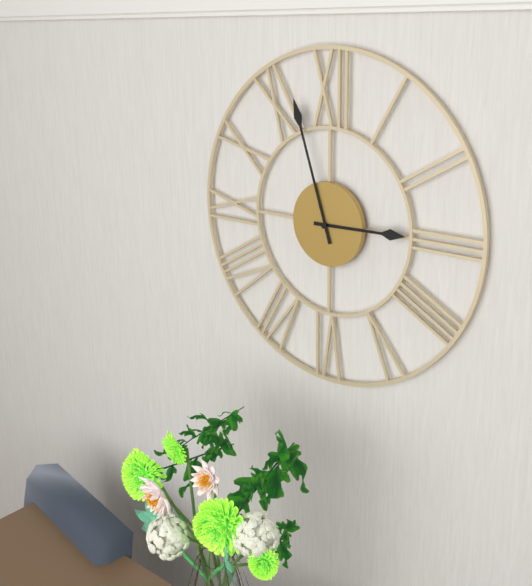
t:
2,57
